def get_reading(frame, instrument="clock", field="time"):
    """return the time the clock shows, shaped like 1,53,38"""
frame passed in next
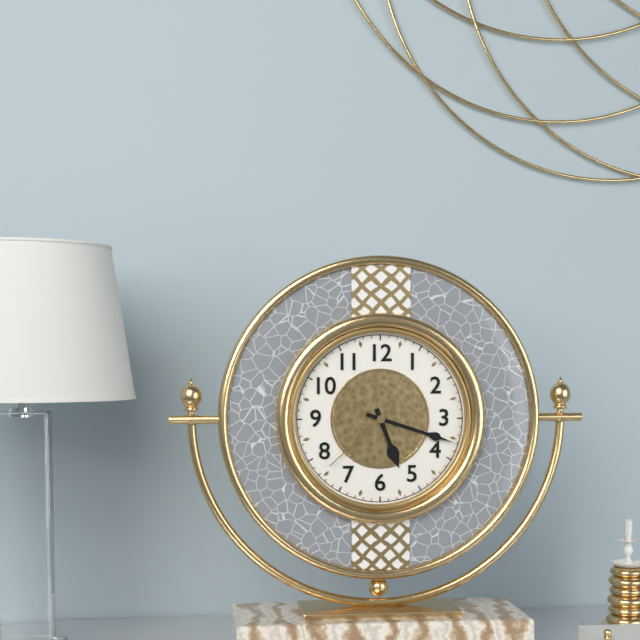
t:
5,18,38
